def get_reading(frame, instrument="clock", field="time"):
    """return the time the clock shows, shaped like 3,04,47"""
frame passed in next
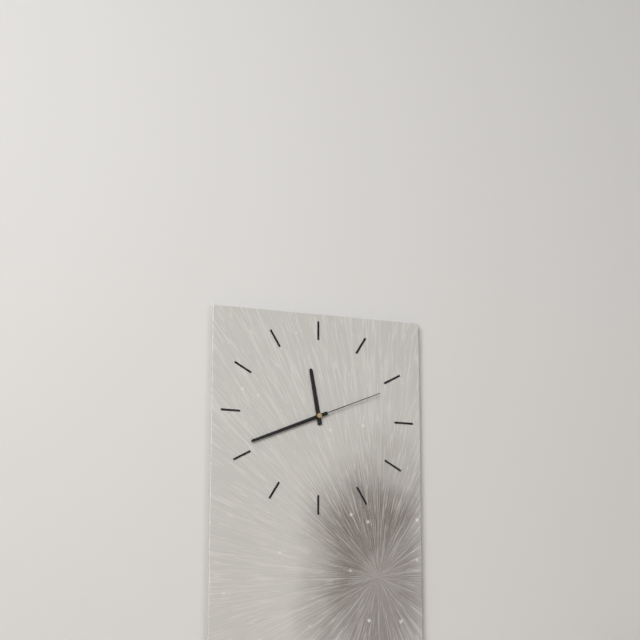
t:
11,41,11
